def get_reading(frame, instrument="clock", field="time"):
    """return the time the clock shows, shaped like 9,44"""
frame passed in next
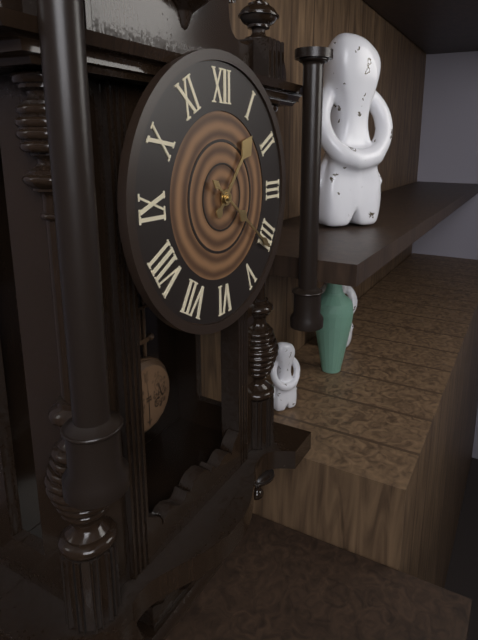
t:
1,21
